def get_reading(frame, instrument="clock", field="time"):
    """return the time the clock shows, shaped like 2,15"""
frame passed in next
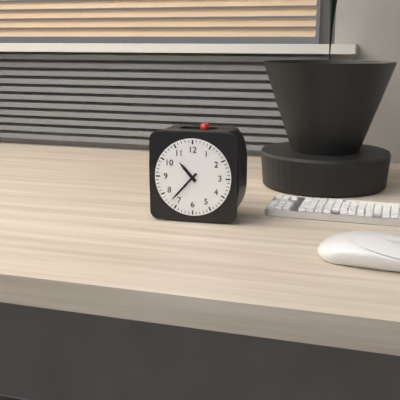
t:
10,37
